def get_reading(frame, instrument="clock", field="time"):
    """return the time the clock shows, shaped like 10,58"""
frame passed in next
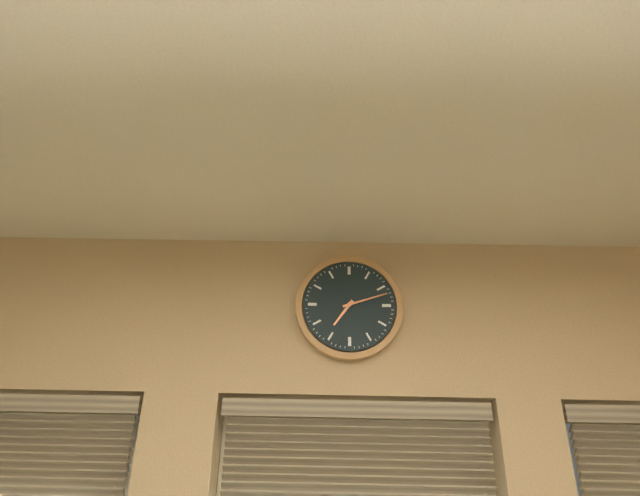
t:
7,12
